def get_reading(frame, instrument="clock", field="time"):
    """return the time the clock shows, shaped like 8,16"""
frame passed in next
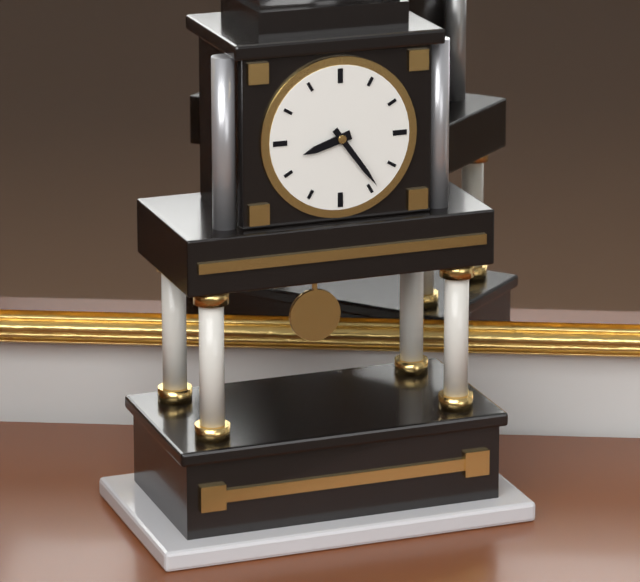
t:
8,24
